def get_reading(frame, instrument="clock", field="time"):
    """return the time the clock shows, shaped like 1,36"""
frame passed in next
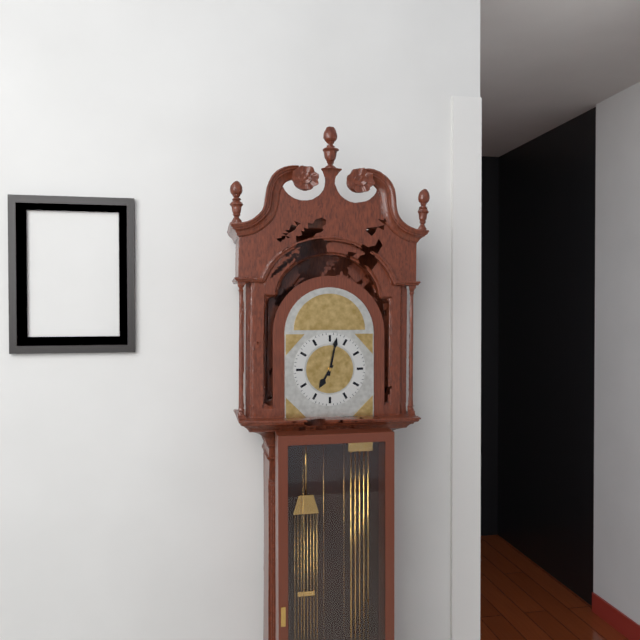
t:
7,02
